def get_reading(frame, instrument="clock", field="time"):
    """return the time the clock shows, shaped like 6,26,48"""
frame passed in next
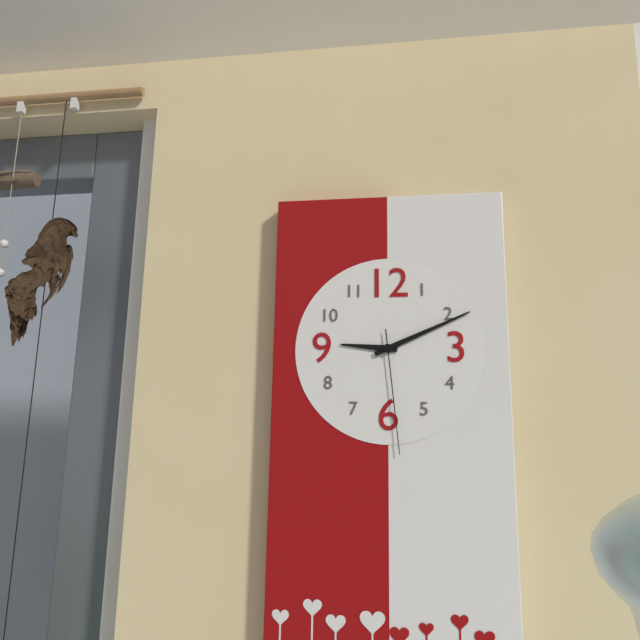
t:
9,11,29
